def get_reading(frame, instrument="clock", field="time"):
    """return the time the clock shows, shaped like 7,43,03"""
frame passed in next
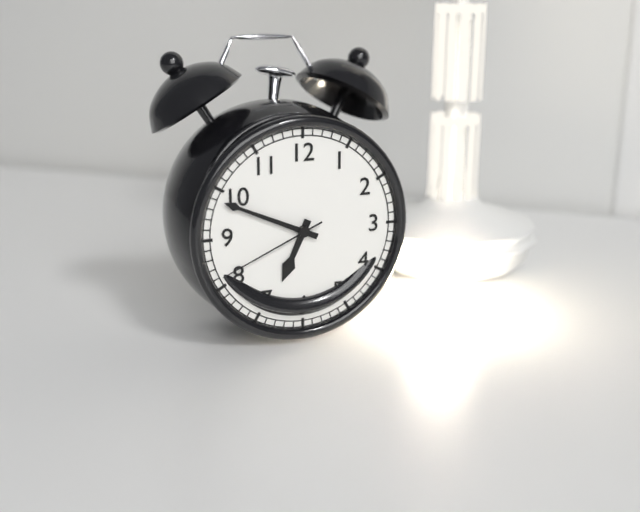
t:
6,49,41
